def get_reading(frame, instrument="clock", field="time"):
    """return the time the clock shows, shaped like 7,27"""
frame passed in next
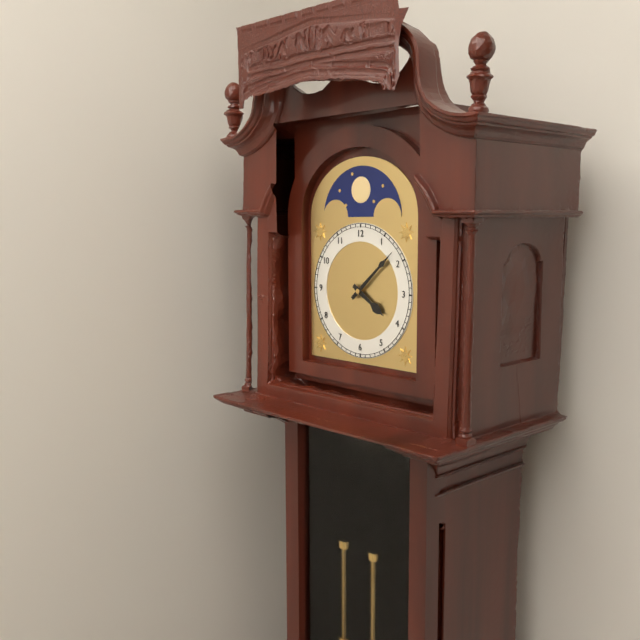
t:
4,08
